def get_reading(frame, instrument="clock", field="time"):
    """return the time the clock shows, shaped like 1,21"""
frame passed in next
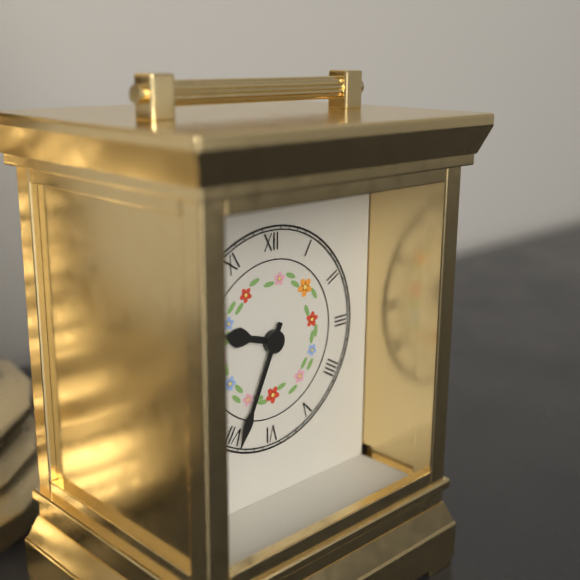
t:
9,34
